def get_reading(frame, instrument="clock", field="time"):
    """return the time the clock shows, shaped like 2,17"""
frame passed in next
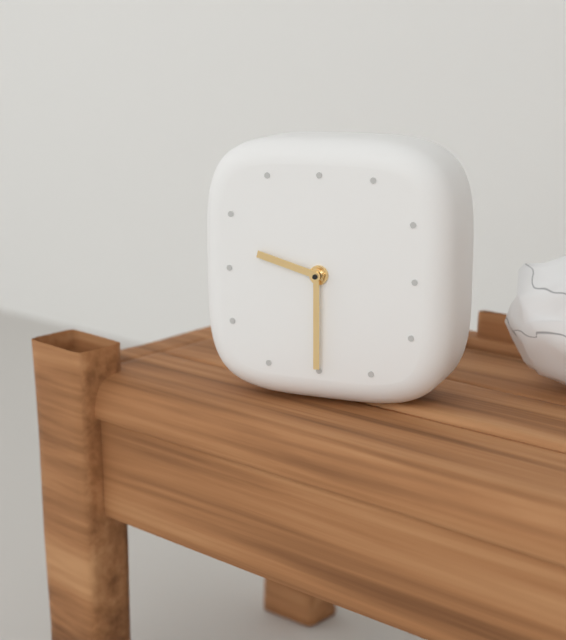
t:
9,30
